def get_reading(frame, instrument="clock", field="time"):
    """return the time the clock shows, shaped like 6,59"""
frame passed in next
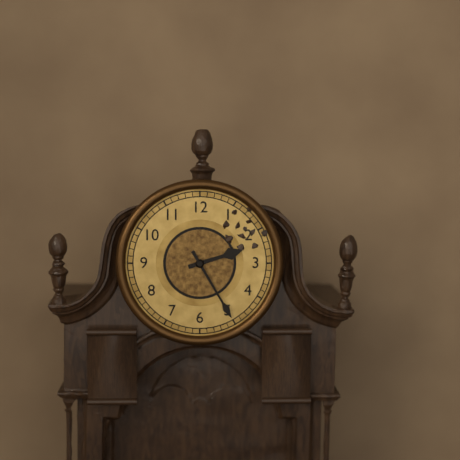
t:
2,25
